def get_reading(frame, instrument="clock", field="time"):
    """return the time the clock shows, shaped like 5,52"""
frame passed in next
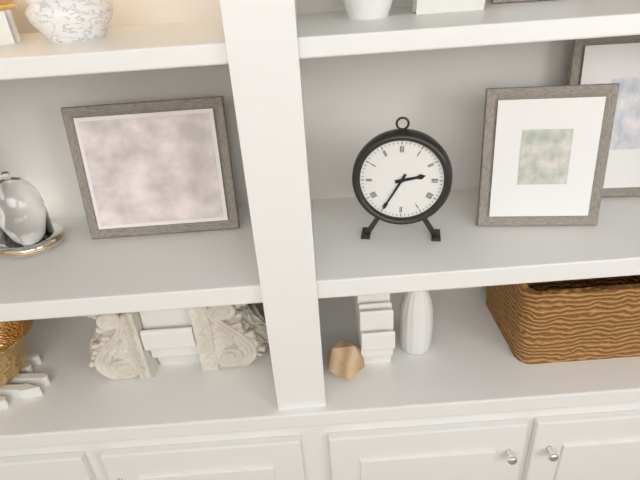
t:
2,35
